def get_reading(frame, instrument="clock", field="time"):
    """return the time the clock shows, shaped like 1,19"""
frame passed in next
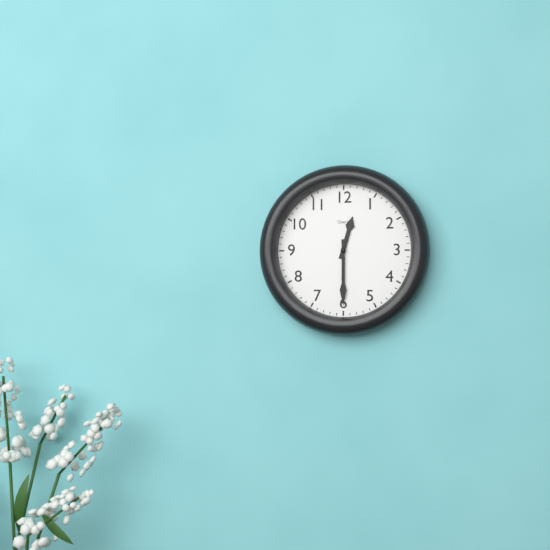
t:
12,30
